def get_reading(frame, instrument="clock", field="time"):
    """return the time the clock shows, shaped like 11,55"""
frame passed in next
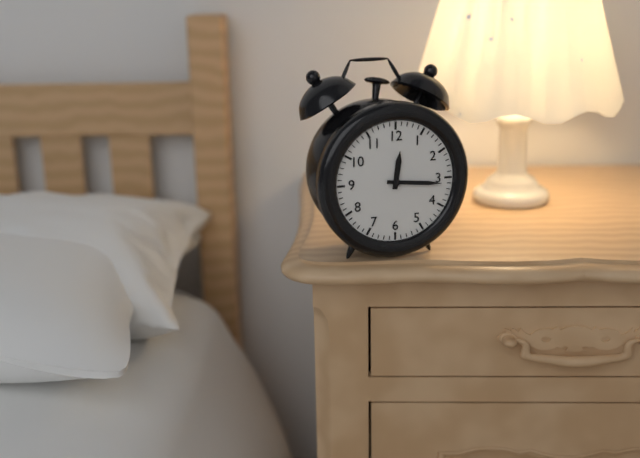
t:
12,16
